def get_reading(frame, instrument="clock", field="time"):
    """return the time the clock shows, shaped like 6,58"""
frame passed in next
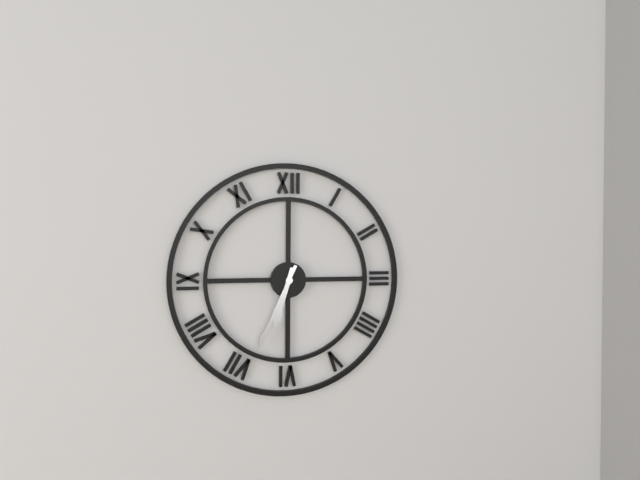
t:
6,34
